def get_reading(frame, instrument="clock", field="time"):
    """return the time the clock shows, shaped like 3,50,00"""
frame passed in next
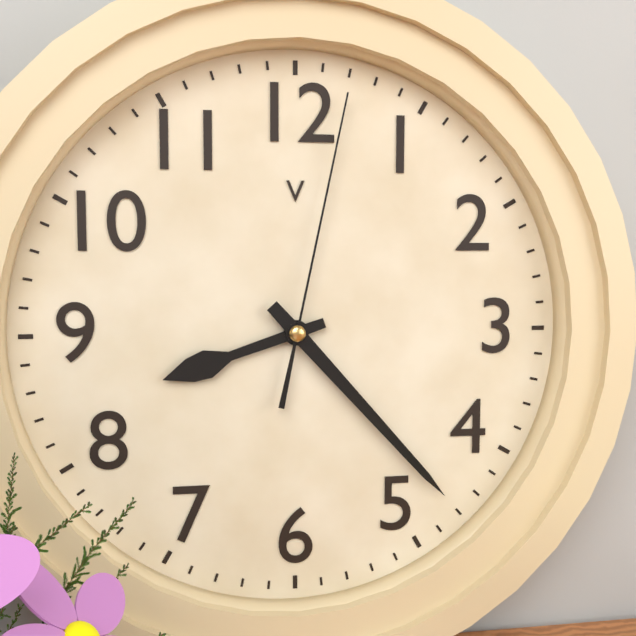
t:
8,23,02
